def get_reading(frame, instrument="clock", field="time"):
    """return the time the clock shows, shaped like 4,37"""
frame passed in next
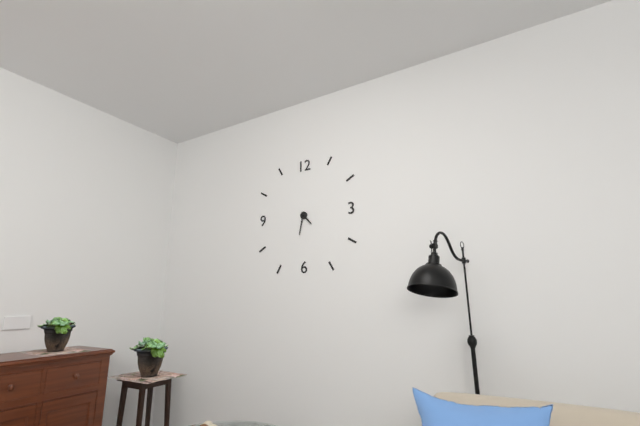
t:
4,32
